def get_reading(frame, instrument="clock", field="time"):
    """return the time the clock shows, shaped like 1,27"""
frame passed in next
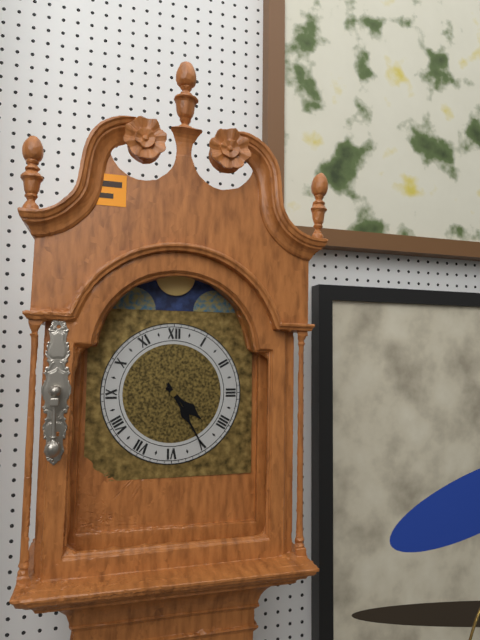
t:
4,25
